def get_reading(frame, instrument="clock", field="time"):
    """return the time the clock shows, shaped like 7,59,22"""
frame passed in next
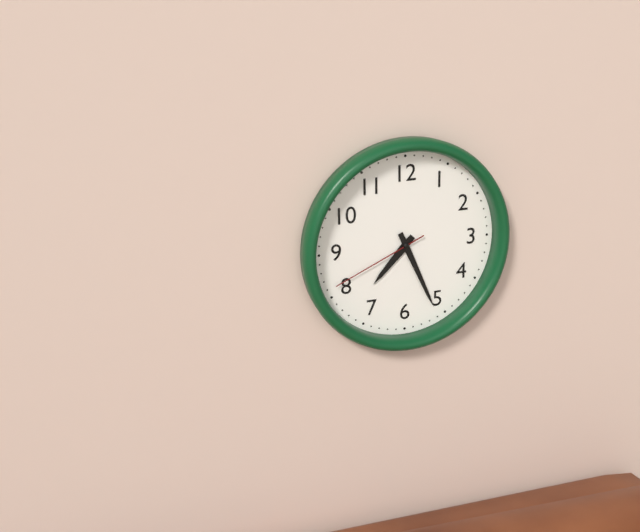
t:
7,26,41
